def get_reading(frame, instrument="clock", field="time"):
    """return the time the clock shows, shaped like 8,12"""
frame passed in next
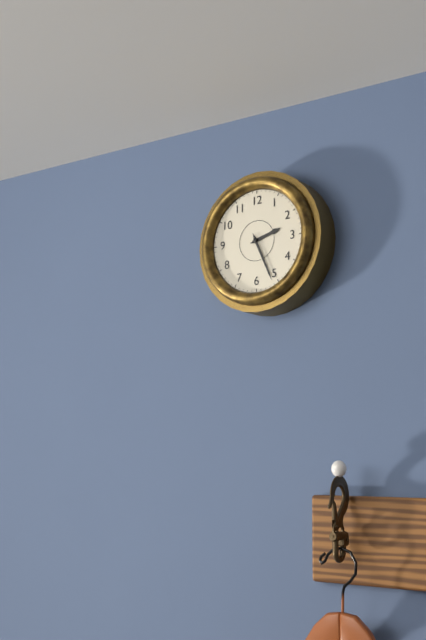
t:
2,26
